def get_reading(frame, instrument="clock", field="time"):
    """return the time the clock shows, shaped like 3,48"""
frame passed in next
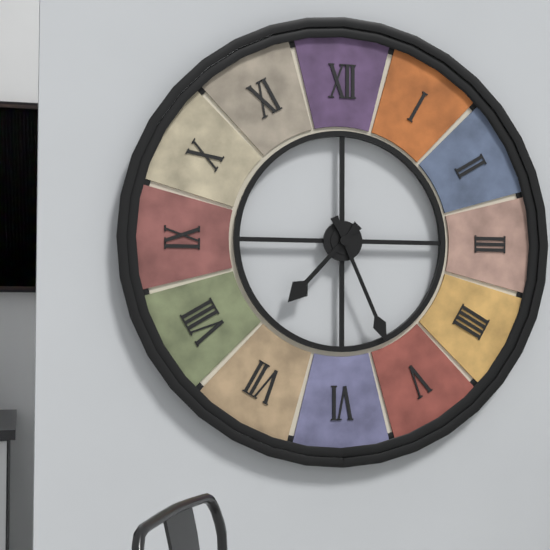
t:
7,26
